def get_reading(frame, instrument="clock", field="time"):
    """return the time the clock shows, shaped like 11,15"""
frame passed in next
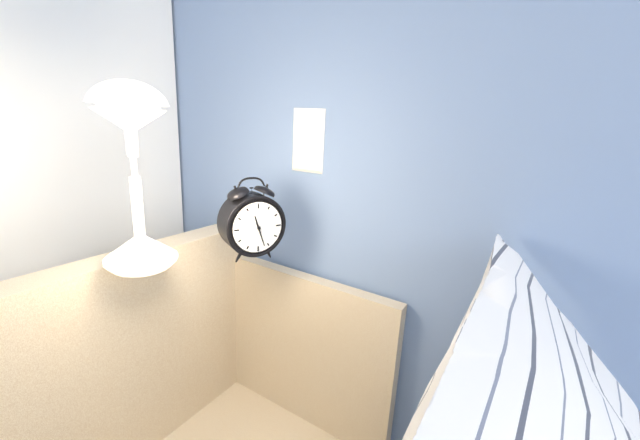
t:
11,27
